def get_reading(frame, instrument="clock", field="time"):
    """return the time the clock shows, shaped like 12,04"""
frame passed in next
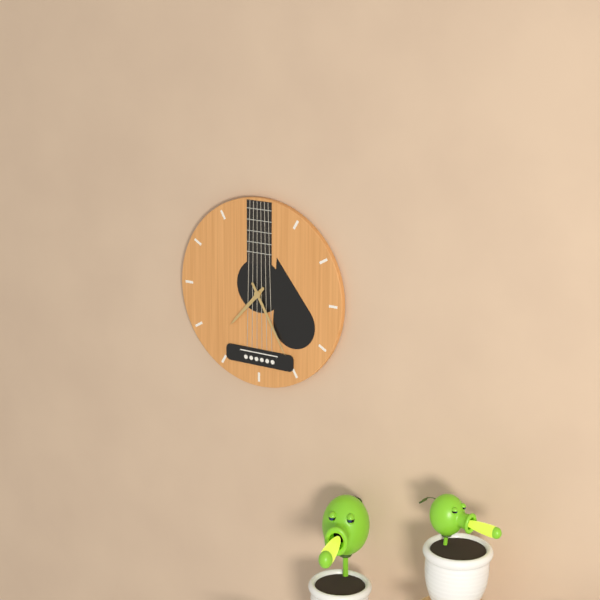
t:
7,25
